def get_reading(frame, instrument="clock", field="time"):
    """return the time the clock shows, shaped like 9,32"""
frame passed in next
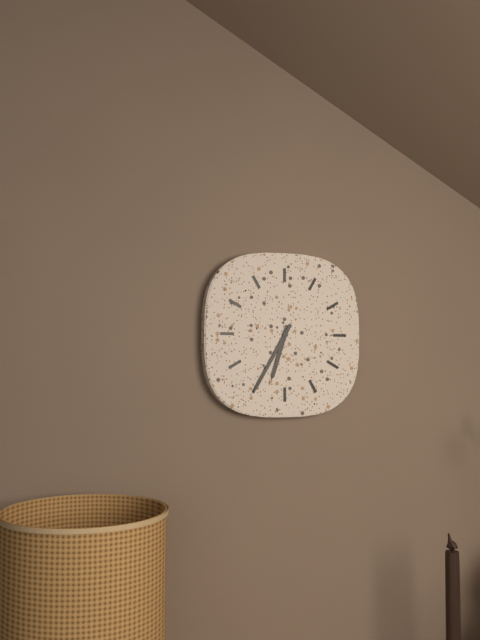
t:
6,35
